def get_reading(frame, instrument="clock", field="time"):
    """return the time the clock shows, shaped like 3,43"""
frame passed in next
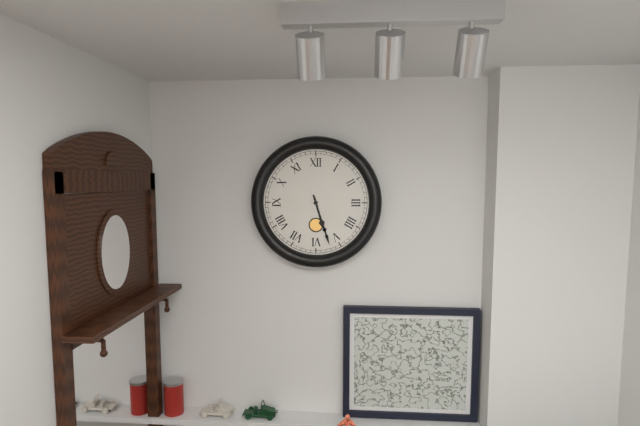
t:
5,27
